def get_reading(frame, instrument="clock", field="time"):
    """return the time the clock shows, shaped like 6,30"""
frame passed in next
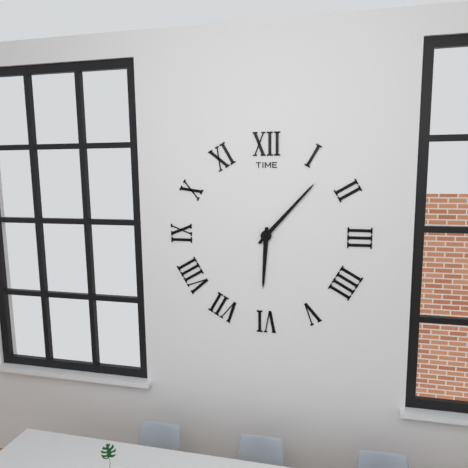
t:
6,07
